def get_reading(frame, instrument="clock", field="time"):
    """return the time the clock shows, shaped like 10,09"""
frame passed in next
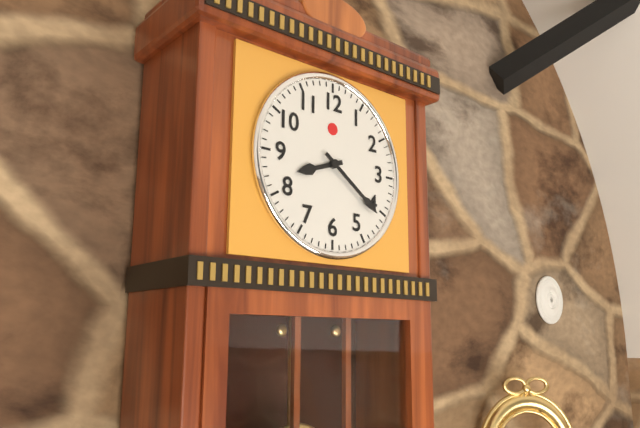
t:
8,21
